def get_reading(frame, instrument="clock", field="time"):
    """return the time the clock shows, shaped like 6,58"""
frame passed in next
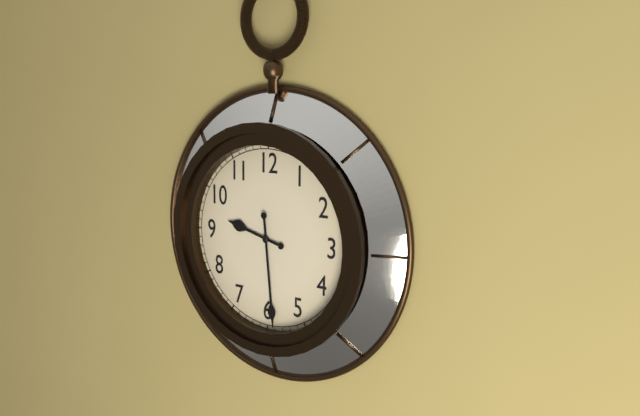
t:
9,29
